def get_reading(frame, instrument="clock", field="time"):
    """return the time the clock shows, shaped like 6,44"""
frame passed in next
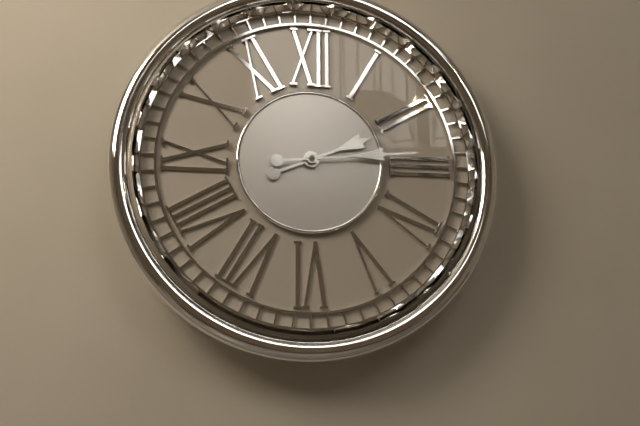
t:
2,14
